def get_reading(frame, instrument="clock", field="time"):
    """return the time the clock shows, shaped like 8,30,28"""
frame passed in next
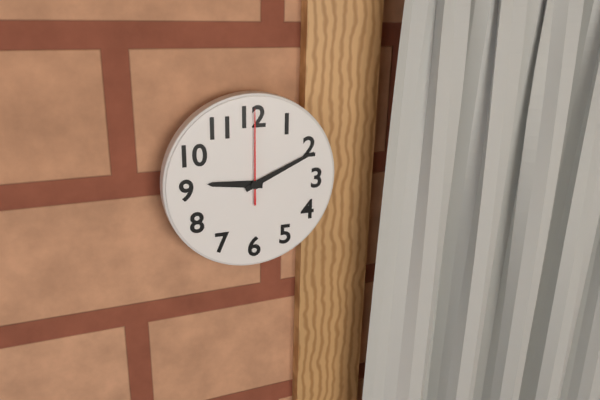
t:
9,11,00
